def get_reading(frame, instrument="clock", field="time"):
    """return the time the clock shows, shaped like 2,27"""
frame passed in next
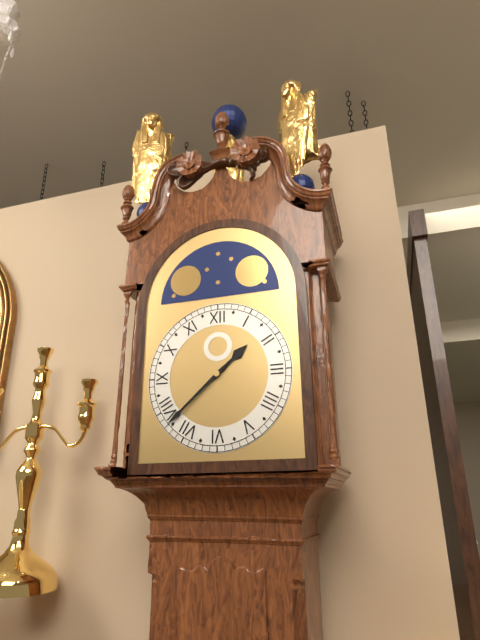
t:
1,38
